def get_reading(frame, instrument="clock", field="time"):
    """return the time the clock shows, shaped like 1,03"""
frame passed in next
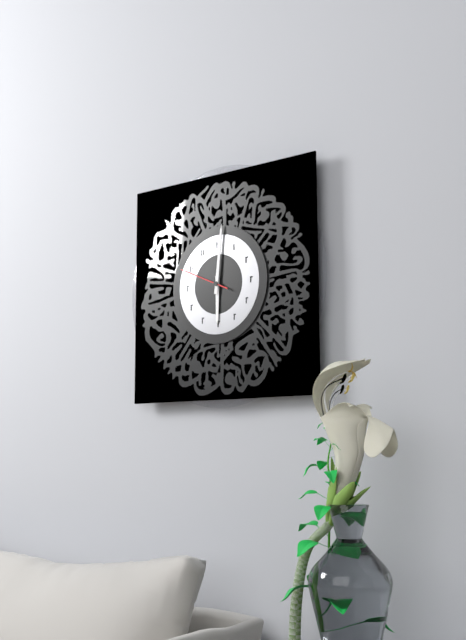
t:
6,01
